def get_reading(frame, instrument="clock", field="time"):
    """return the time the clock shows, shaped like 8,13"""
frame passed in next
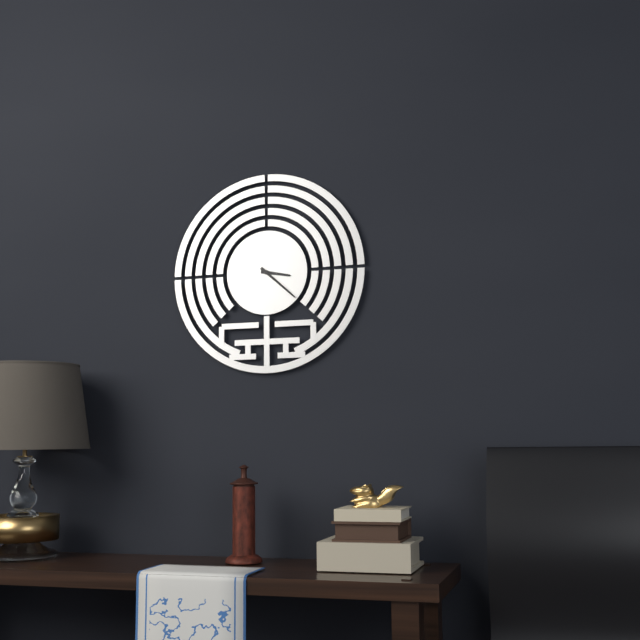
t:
3,22
